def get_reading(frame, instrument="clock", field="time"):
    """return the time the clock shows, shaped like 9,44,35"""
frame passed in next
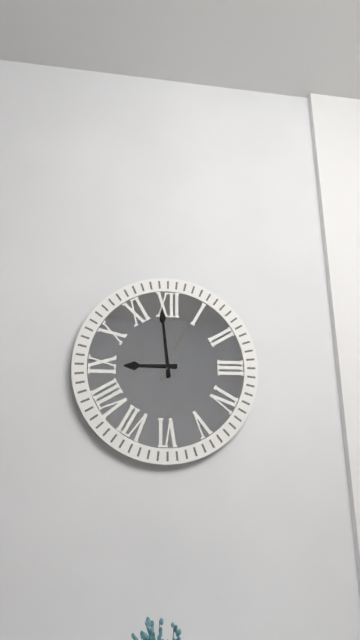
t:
8,59,04
